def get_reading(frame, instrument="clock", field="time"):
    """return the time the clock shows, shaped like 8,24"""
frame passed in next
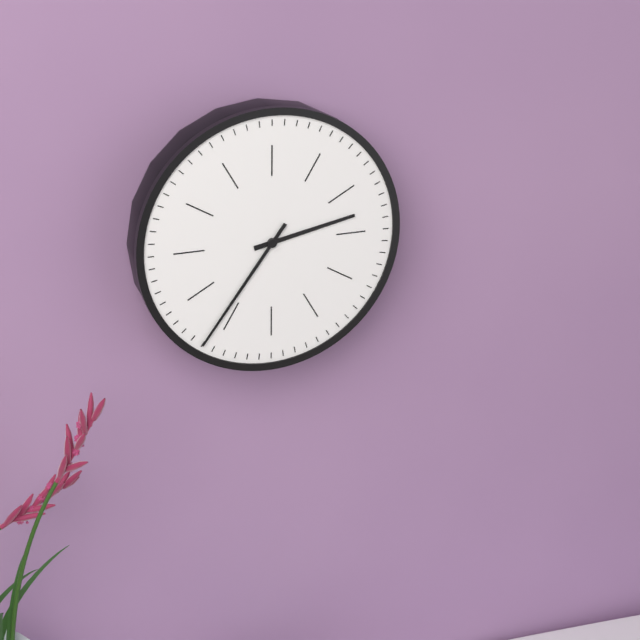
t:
2,36
